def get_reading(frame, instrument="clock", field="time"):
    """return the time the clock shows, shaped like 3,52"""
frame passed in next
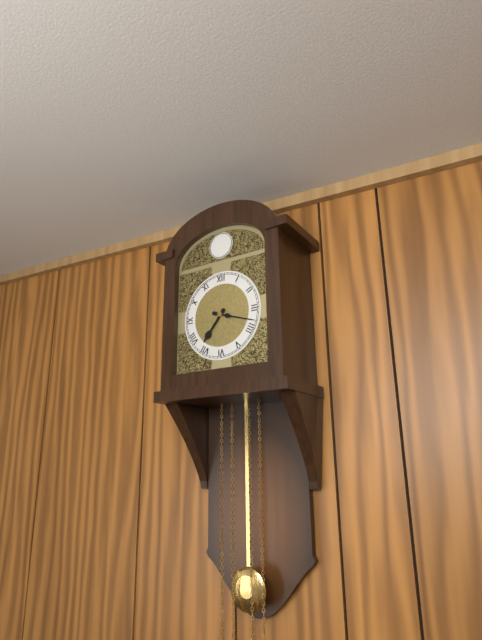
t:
7,18
